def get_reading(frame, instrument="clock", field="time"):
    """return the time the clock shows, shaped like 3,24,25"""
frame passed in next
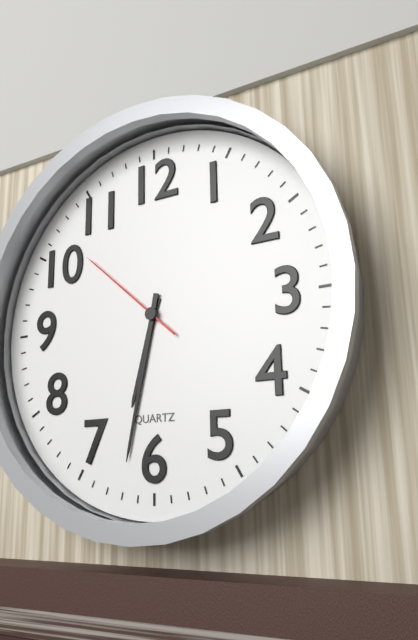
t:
6,32,52
